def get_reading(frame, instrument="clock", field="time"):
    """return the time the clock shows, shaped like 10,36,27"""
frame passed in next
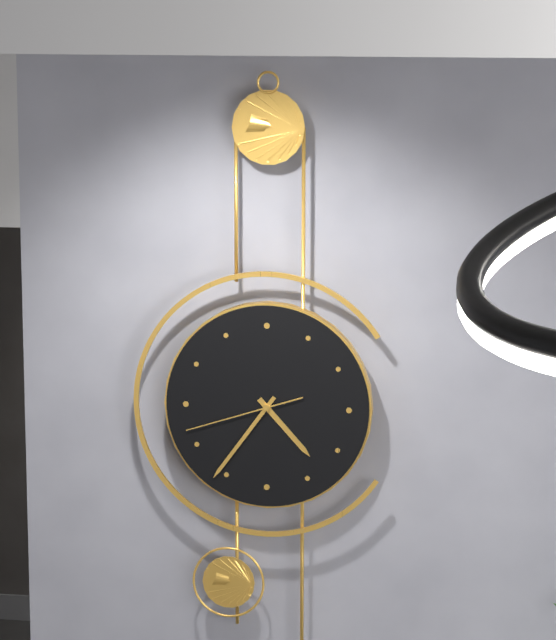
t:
4,36,42
